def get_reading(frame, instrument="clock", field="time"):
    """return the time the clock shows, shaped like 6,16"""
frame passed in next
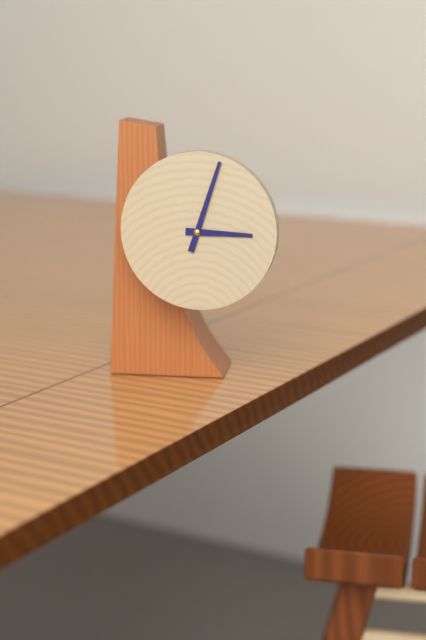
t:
3,03
